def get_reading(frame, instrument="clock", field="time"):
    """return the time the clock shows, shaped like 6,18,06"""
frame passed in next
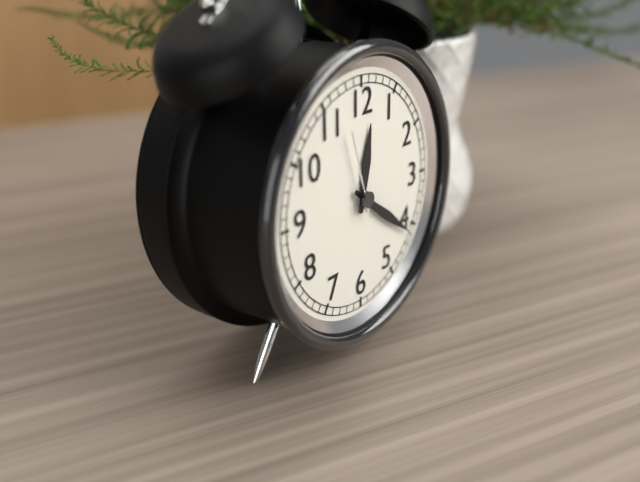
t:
12,21,57
